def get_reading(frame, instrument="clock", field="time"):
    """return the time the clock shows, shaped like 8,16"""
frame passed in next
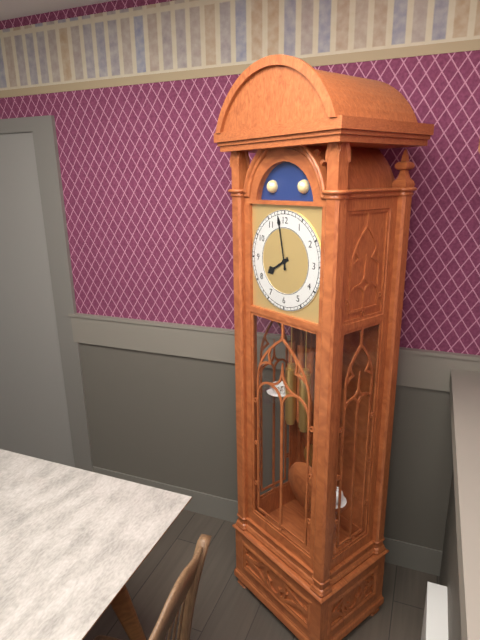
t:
7,58
